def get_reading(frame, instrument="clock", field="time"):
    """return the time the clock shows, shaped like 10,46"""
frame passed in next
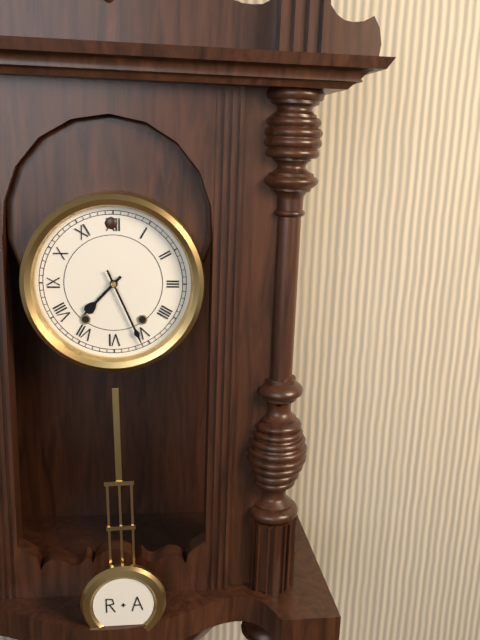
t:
7,26
